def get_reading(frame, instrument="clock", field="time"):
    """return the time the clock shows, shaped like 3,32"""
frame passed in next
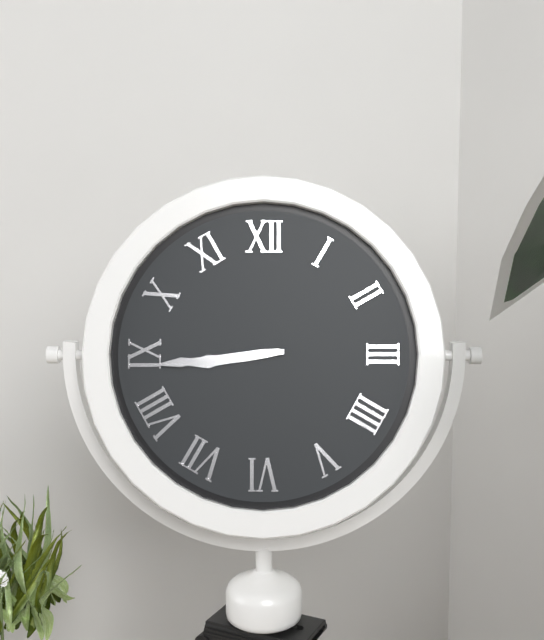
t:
8,44
